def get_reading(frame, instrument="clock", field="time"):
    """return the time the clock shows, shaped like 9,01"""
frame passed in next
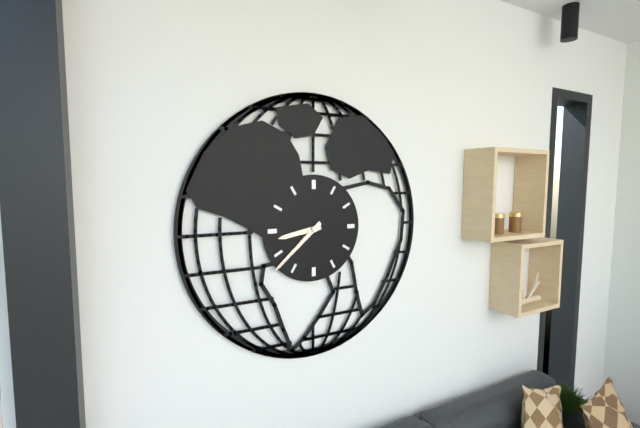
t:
8,38
